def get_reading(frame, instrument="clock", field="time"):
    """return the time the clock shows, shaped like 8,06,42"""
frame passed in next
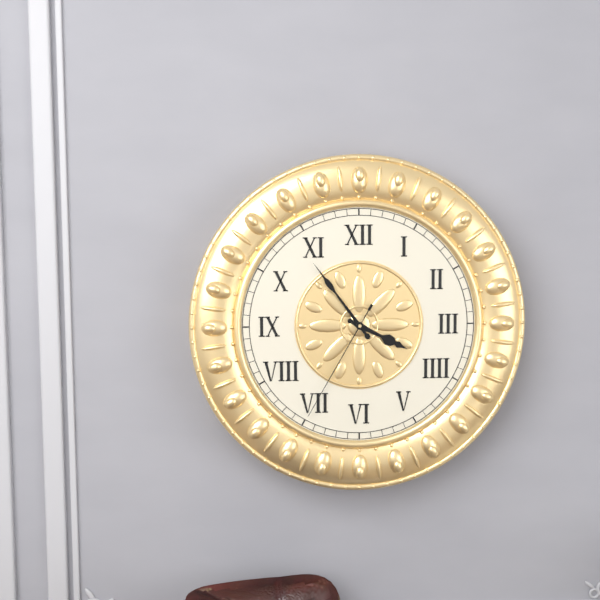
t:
3,54,35
